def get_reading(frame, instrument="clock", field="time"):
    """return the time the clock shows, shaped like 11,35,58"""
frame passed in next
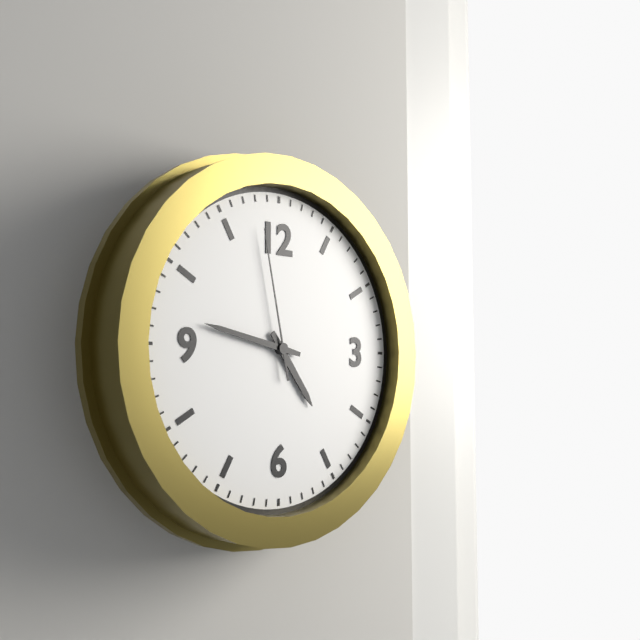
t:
4,47,58
